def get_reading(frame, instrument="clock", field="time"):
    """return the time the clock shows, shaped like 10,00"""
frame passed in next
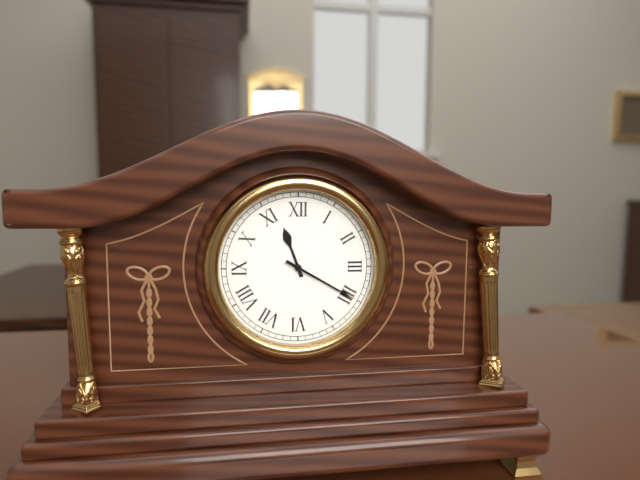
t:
11,20
